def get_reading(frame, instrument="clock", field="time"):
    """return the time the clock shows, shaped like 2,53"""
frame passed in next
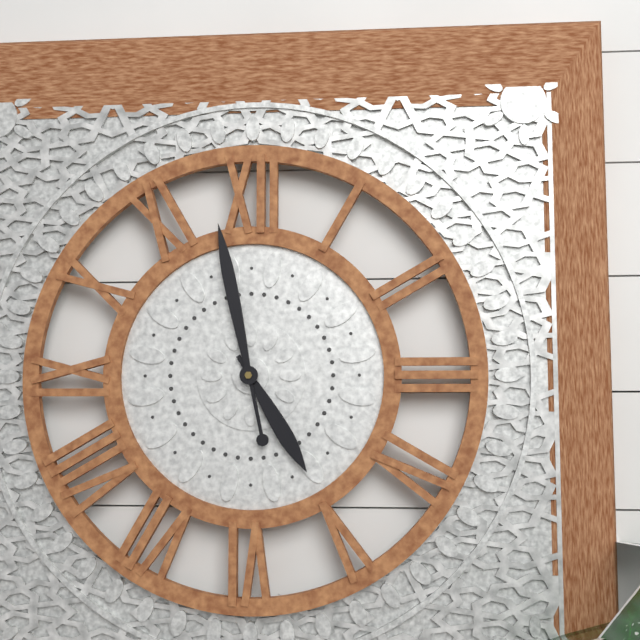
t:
4,58
